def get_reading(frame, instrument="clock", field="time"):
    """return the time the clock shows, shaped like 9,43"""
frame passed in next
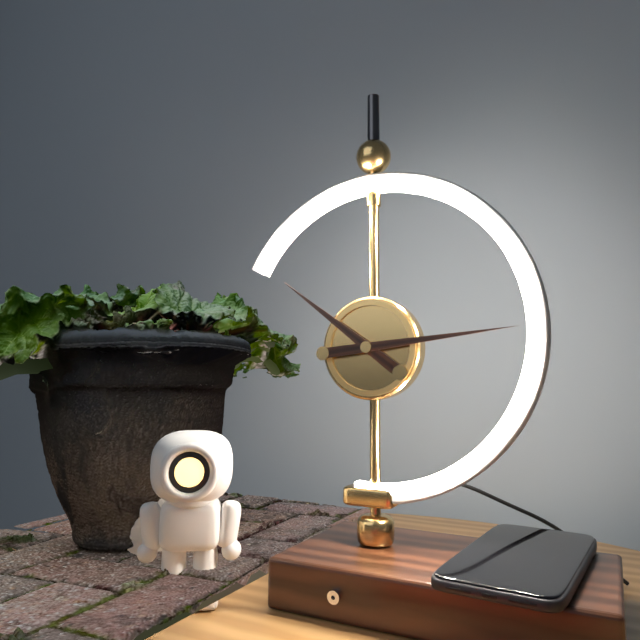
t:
10,14
